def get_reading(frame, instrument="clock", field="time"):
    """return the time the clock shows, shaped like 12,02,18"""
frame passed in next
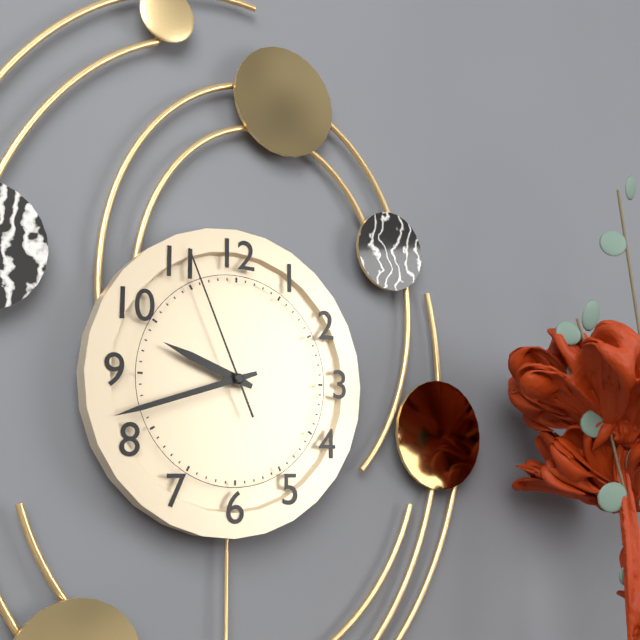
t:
9,42,56
